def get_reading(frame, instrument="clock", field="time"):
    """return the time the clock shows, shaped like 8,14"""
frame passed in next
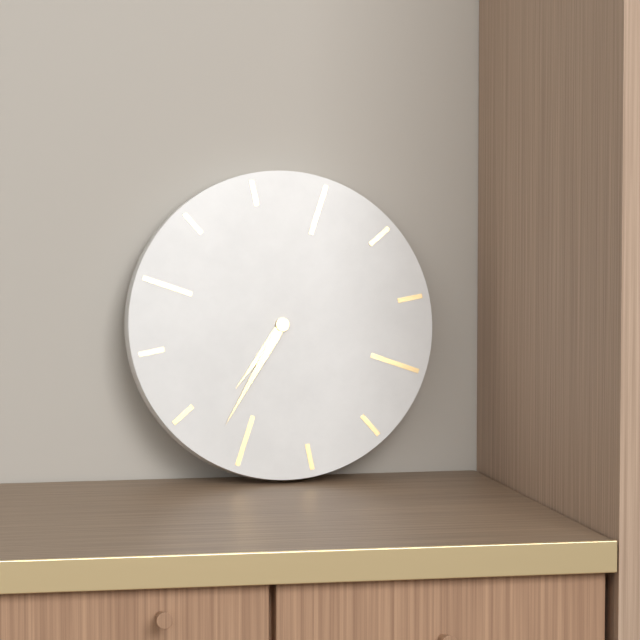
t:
7,37
